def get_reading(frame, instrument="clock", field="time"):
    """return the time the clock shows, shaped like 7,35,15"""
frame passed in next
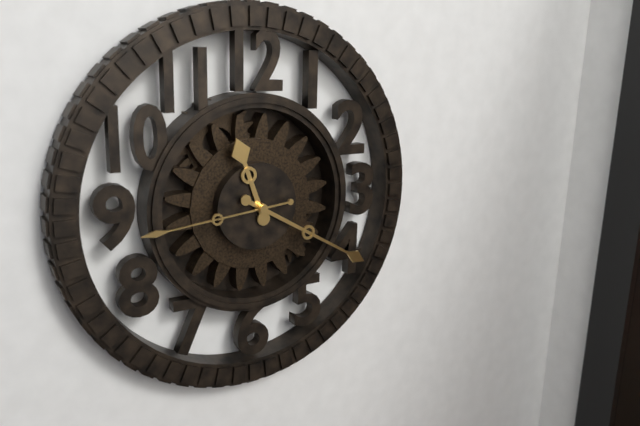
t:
11,20,44
